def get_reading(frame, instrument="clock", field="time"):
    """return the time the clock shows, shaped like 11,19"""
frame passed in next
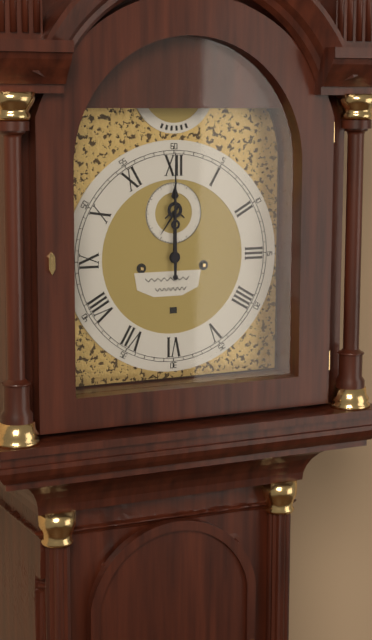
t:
12,00
